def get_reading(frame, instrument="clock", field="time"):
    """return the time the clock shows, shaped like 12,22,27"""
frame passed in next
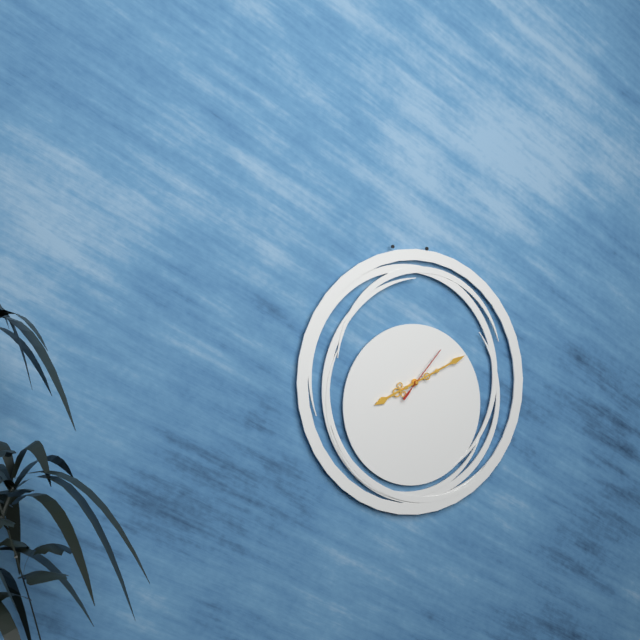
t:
8,11,07
